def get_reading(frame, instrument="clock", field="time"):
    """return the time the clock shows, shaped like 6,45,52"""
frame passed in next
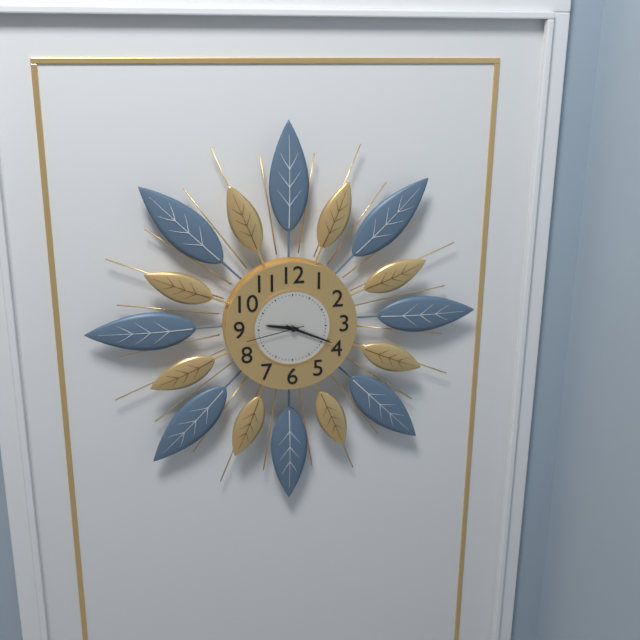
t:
9,19,43
